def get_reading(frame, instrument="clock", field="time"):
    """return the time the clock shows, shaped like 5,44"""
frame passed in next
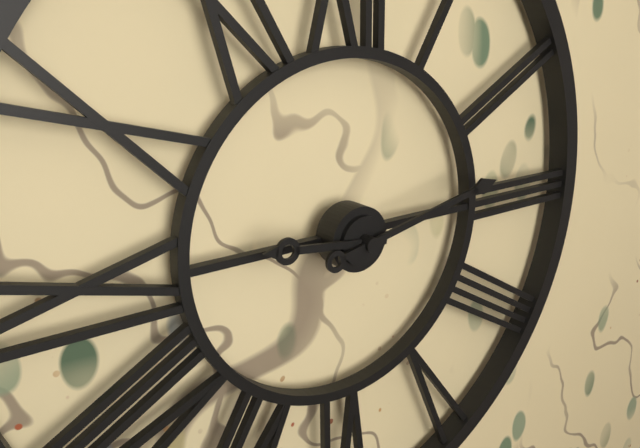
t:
9,13
